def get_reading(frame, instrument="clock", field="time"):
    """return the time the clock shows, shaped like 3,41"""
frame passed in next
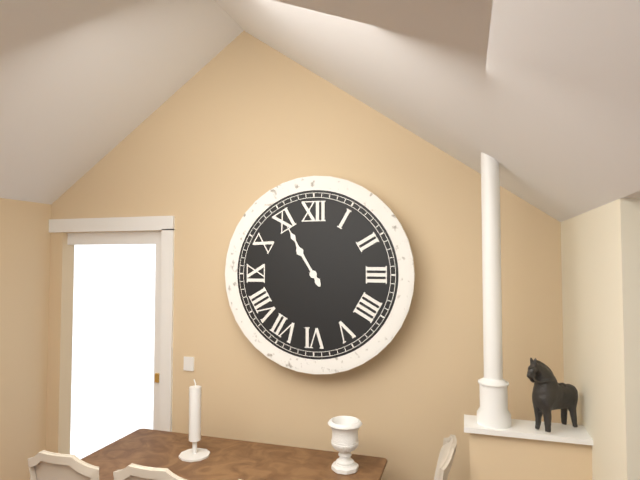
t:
10,55
